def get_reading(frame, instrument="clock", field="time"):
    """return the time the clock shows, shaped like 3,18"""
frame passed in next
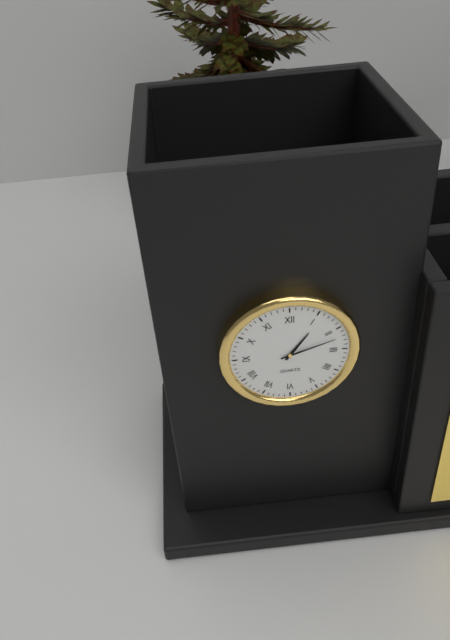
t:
1,12
